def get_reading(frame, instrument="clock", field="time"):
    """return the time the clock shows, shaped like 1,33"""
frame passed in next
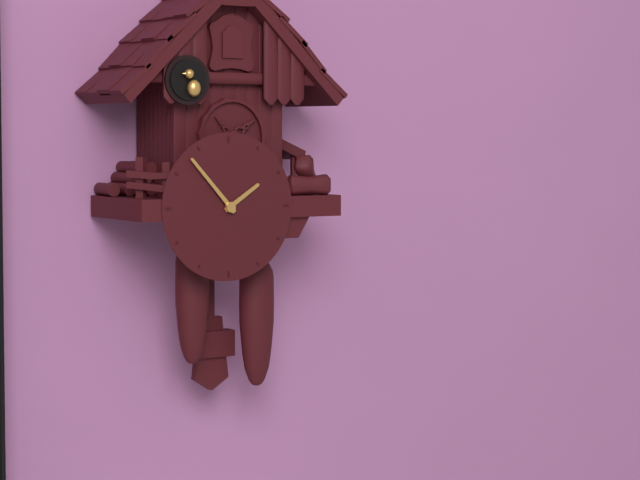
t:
1,53
